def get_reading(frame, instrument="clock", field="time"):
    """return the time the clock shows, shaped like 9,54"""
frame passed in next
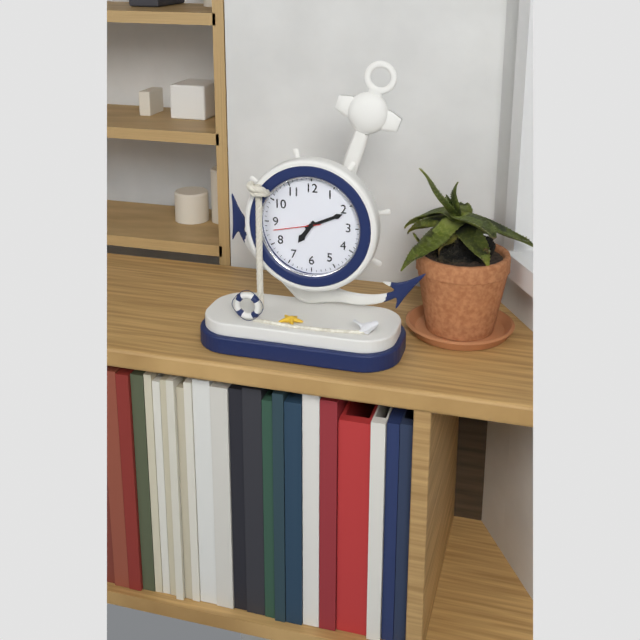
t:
7,11
